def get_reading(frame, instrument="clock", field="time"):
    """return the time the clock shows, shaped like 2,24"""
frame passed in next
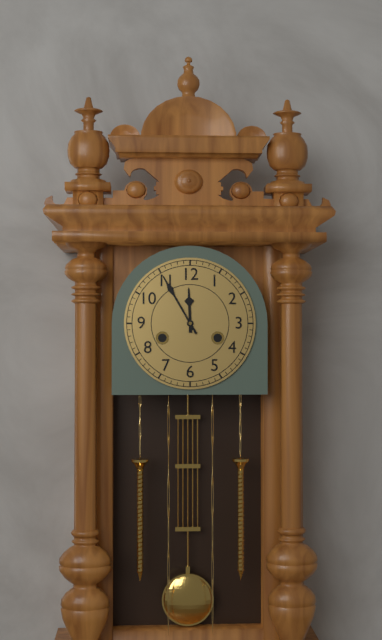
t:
11,55
